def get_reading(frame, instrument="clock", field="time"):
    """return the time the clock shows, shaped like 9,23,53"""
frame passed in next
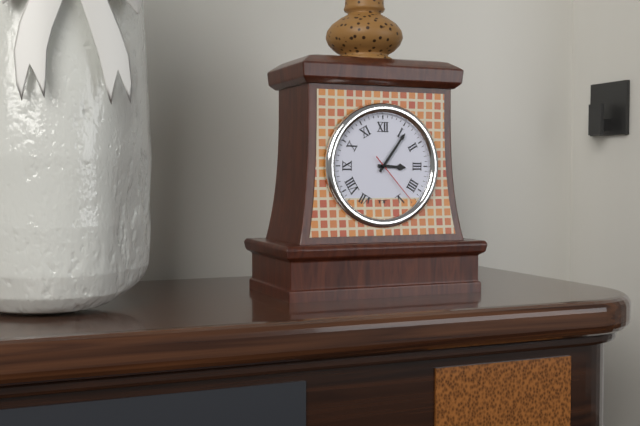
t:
3,06,23
